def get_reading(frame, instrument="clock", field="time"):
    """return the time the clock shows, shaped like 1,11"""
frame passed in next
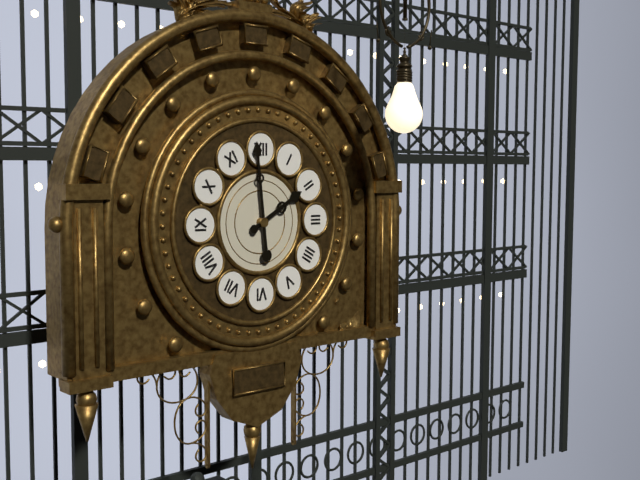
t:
1,59
